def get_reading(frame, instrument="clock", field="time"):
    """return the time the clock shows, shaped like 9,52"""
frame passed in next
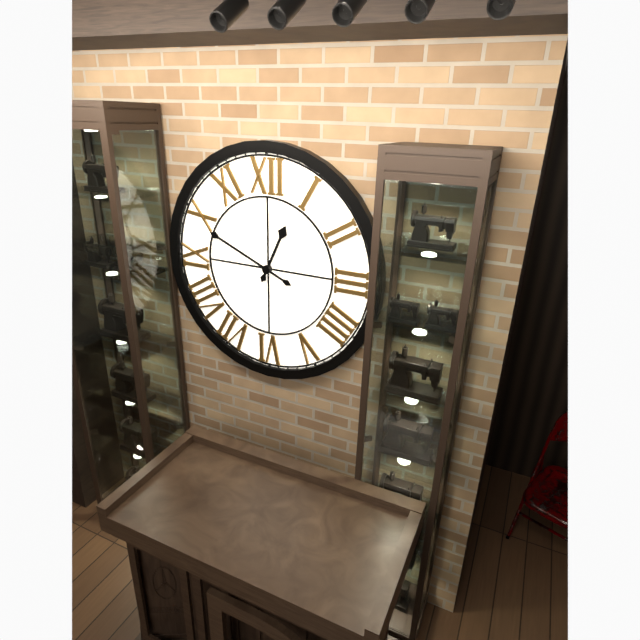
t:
12,49
